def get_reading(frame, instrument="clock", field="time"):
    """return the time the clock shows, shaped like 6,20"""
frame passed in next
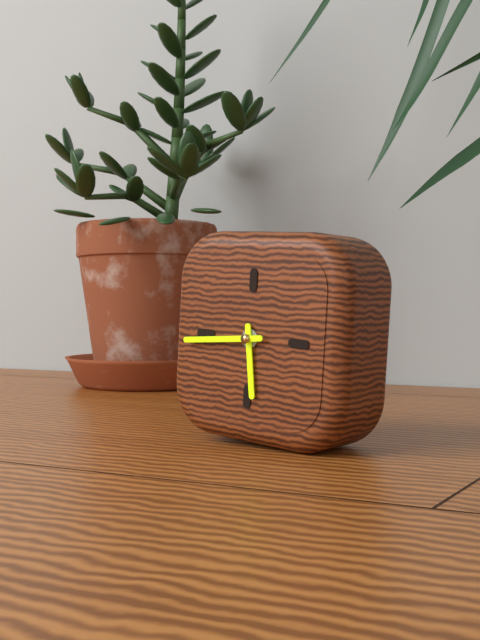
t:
5,44
